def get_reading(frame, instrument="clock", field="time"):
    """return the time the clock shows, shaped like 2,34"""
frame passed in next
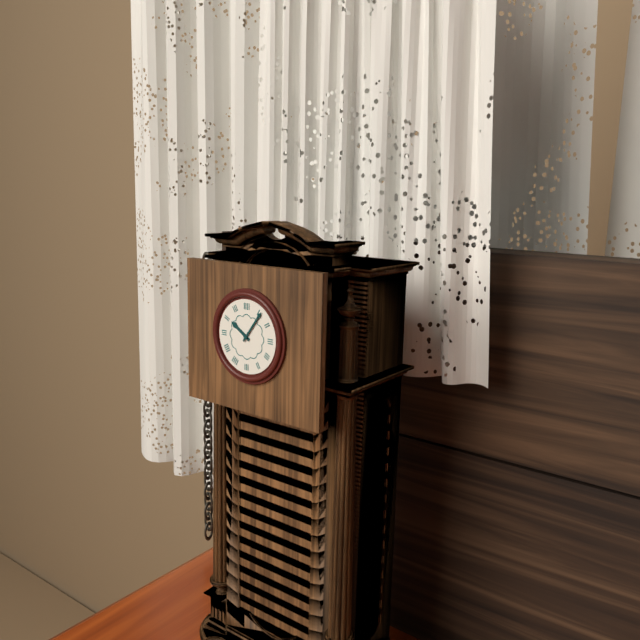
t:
10,06
